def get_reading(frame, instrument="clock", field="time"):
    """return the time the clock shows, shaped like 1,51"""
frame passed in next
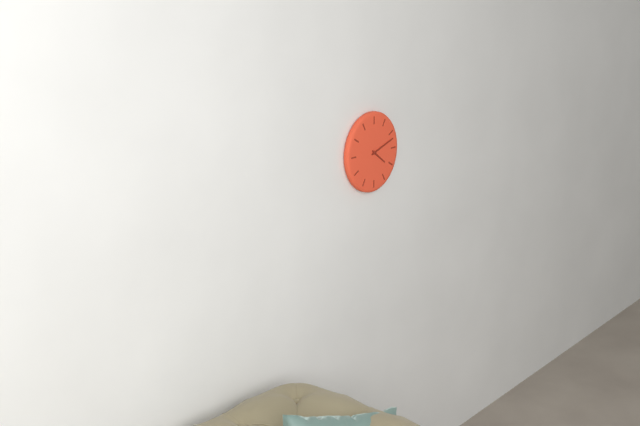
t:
4,12
